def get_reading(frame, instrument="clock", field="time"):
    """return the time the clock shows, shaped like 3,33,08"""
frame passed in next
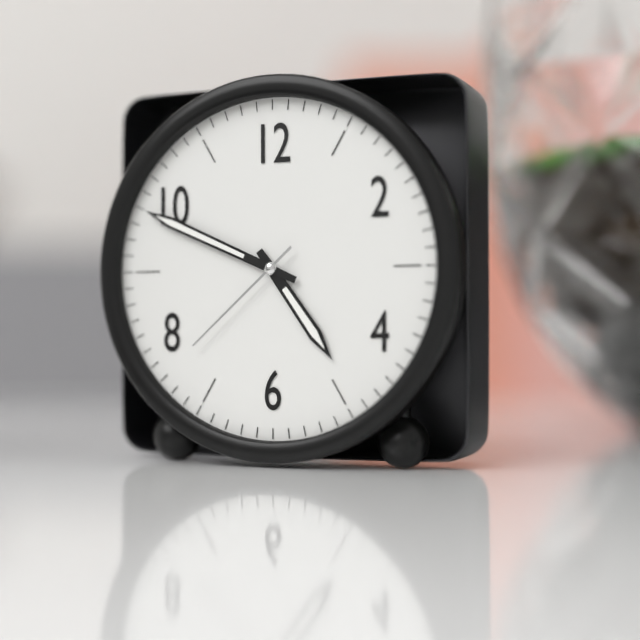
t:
4,49,38
